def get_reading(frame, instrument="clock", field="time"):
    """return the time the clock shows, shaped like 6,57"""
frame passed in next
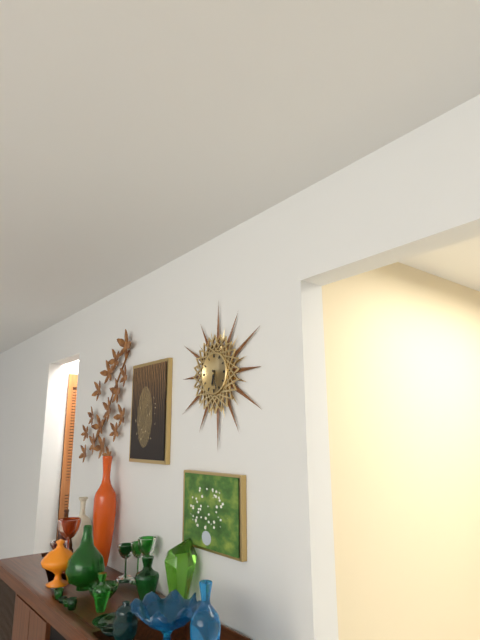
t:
6,27
